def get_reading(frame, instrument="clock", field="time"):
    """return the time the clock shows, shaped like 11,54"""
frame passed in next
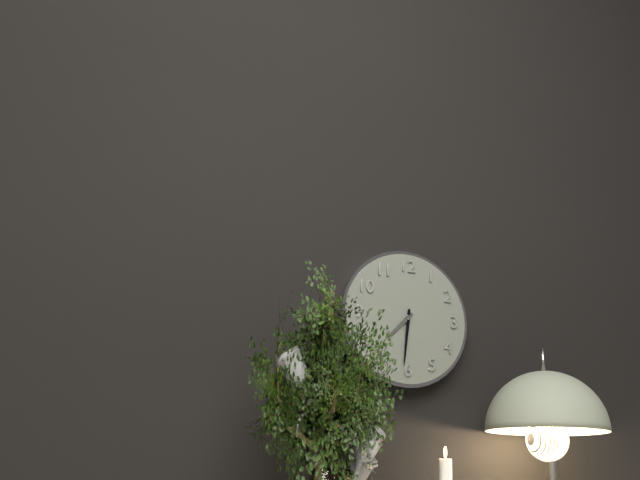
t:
7,31
